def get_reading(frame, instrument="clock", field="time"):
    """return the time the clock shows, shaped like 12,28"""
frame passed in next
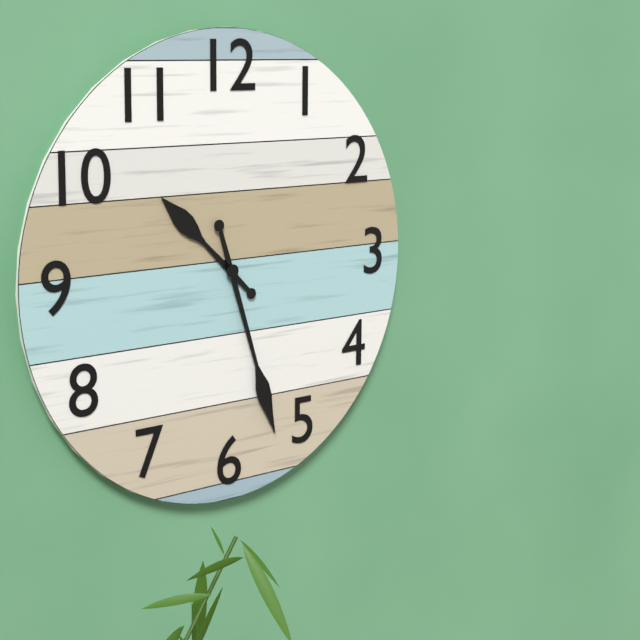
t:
10,27
